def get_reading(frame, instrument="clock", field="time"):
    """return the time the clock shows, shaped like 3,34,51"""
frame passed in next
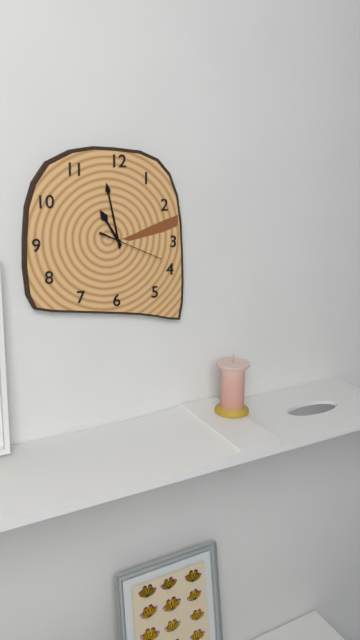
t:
10,58,19
